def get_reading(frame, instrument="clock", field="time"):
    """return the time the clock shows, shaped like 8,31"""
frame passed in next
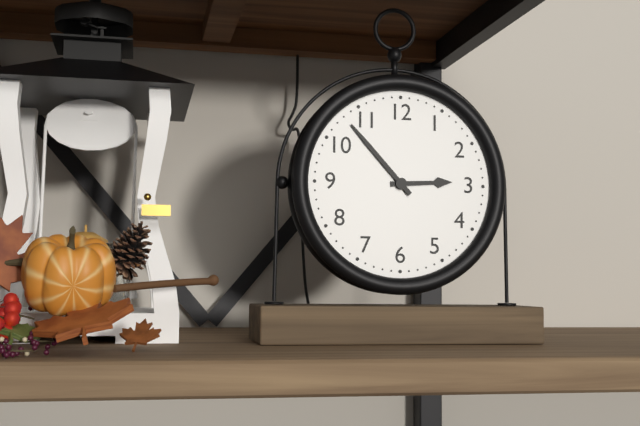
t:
2,53
